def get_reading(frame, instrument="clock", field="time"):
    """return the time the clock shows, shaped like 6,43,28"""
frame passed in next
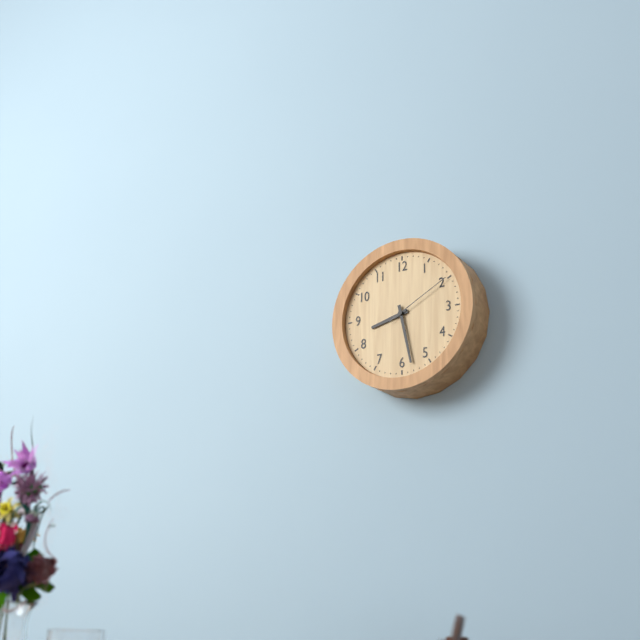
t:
8,28,10
